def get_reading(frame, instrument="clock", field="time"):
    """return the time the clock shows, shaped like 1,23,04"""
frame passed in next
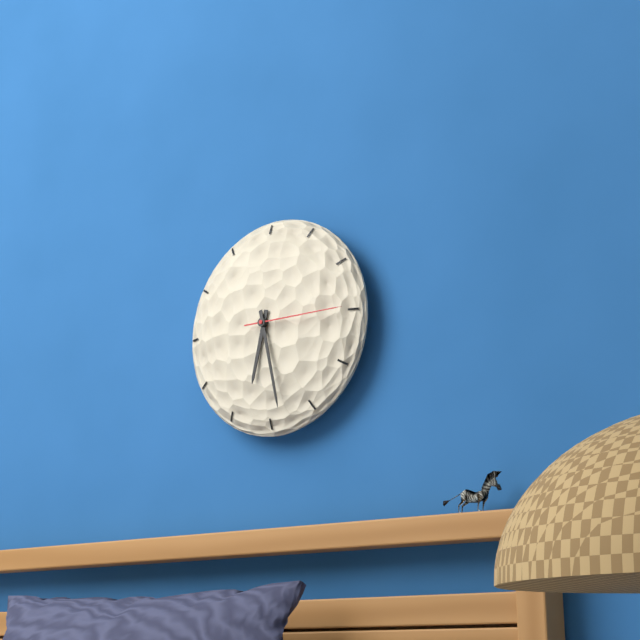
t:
6,28,15
